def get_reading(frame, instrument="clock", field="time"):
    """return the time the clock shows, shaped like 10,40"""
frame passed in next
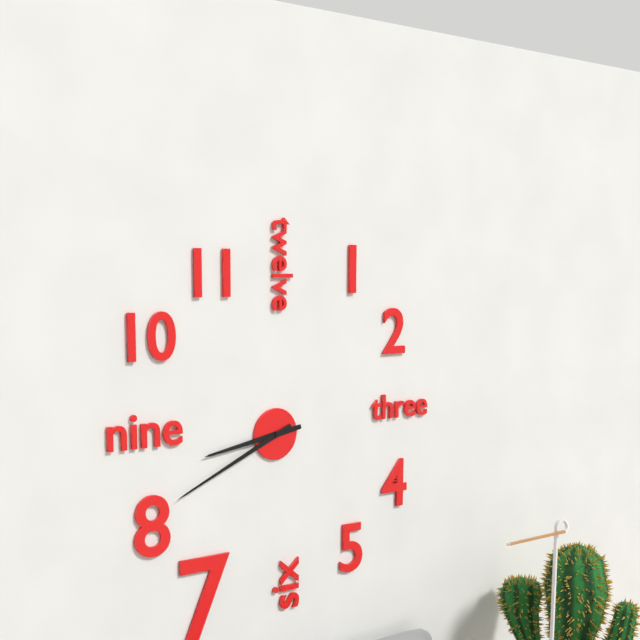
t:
8,41
